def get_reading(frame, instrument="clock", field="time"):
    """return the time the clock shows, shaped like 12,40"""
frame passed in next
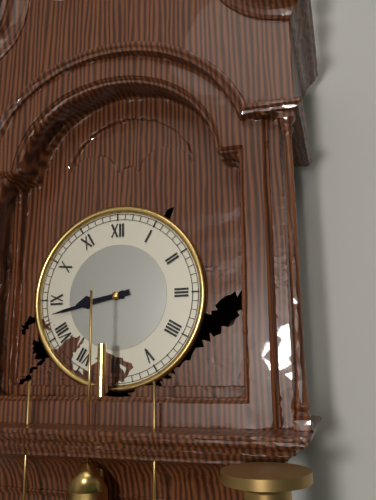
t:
8,43
